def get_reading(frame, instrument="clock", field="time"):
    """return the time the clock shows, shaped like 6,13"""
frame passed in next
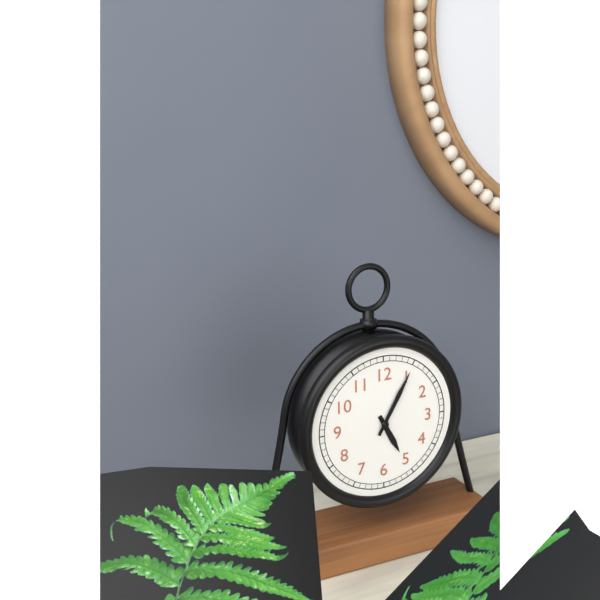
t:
5,05
